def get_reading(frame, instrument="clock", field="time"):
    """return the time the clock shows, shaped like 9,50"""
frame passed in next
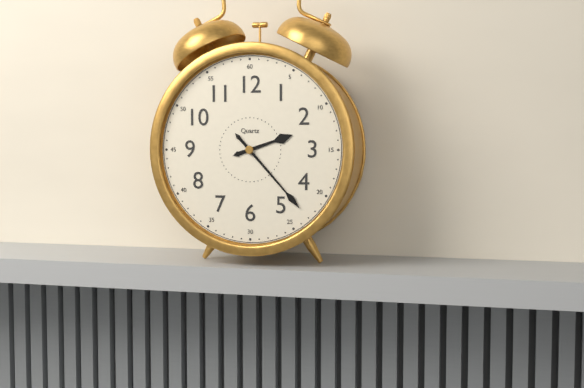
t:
2,23
